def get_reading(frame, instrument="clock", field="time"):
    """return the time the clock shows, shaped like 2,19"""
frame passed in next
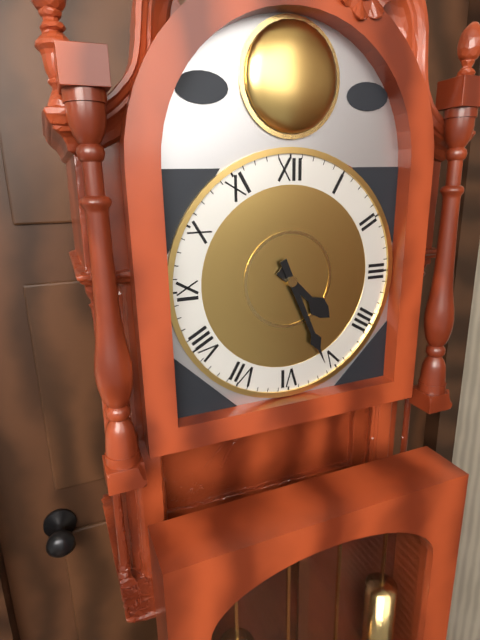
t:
4,26
